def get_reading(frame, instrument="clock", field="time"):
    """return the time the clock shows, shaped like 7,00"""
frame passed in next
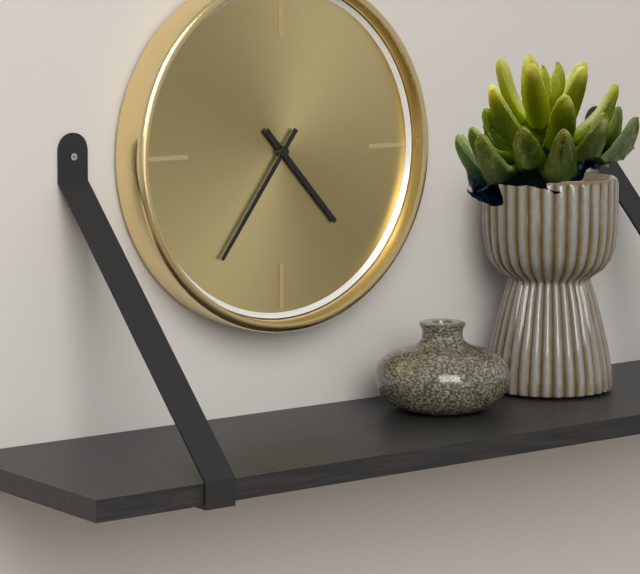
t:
4,36
